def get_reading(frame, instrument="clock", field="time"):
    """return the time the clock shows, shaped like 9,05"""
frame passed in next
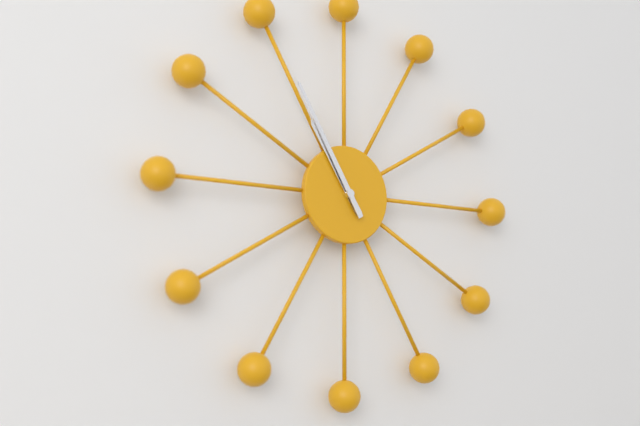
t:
10,55
